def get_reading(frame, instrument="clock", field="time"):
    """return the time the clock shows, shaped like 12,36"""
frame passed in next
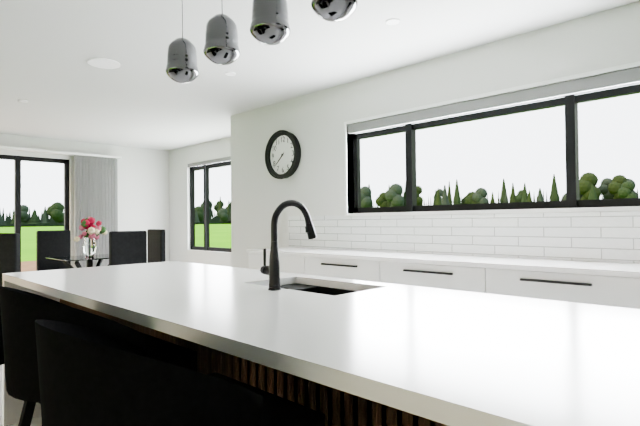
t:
7,38
